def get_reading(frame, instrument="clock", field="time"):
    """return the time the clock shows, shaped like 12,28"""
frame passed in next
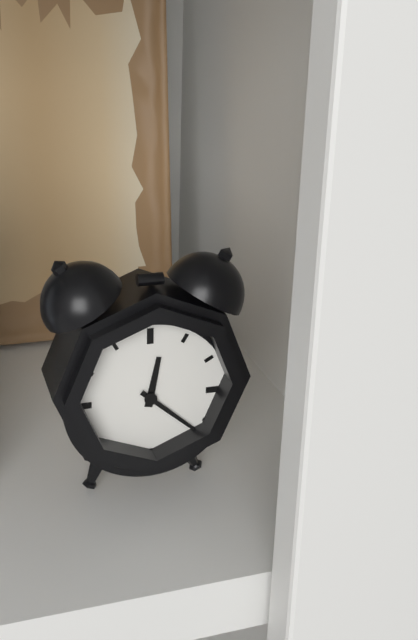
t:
12,22
